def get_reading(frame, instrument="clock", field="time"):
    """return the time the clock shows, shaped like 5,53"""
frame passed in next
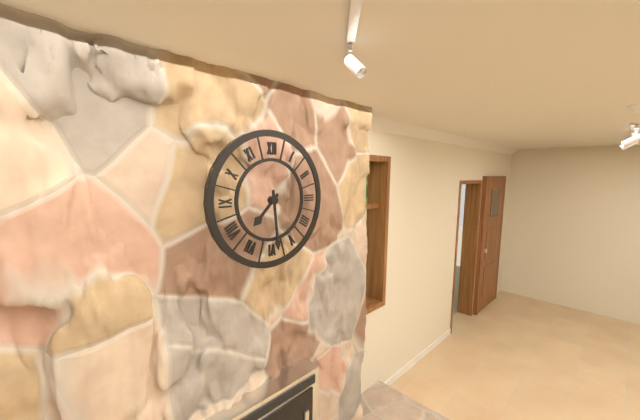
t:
7,29
